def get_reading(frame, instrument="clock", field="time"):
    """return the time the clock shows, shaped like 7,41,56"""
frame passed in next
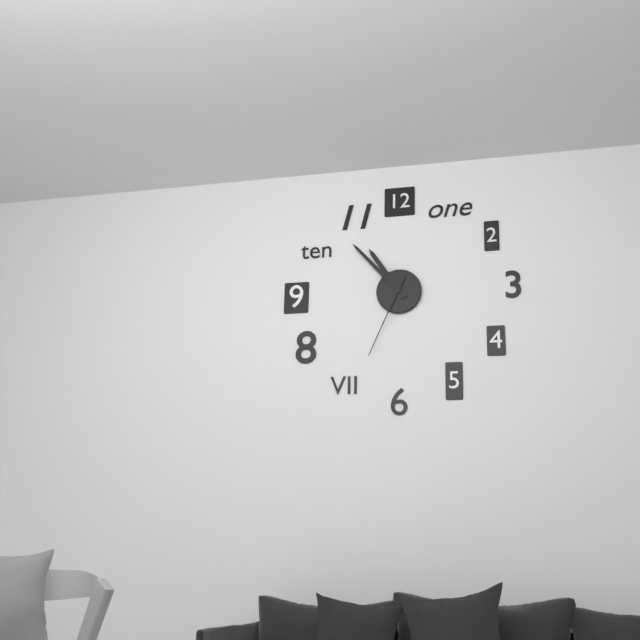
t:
10,53,34
